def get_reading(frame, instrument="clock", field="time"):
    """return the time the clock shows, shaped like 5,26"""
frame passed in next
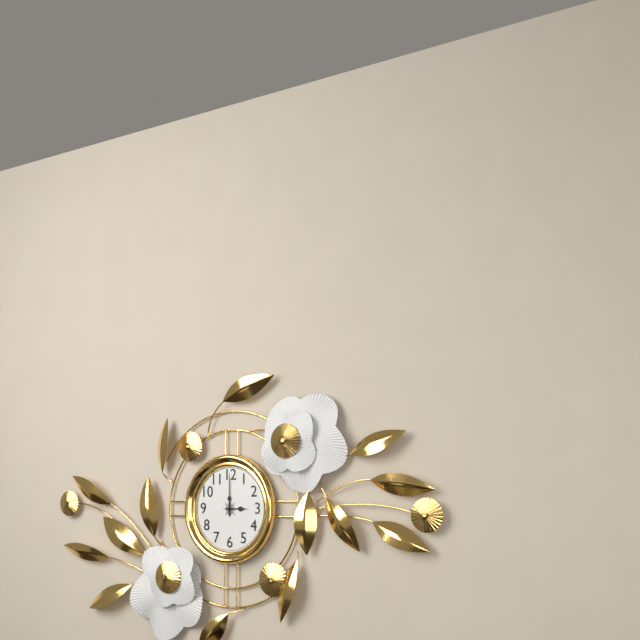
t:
3,00
